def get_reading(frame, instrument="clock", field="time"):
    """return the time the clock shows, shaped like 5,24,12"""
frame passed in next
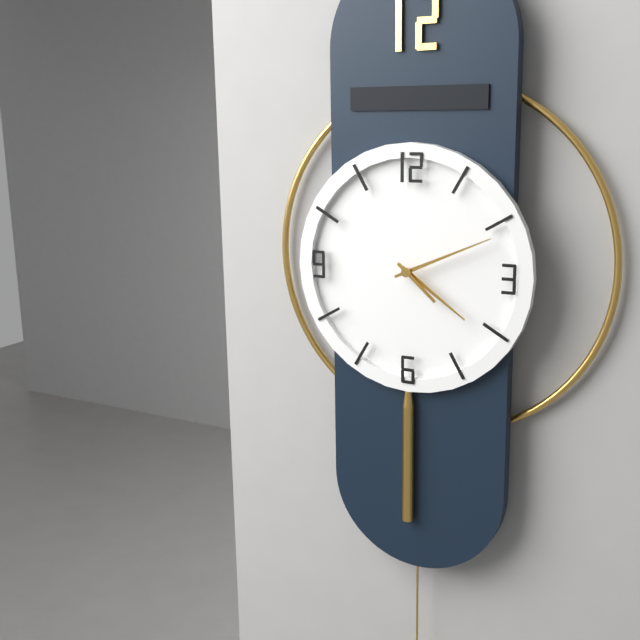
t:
4,11,22
